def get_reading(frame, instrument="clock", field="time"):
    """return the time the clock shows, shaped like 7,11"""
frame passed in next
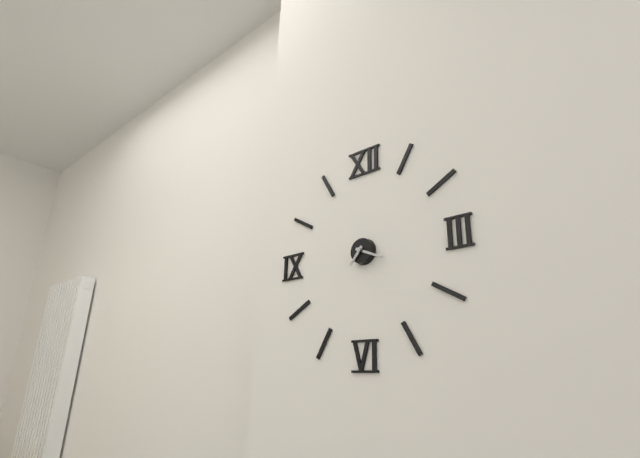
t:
7,19
